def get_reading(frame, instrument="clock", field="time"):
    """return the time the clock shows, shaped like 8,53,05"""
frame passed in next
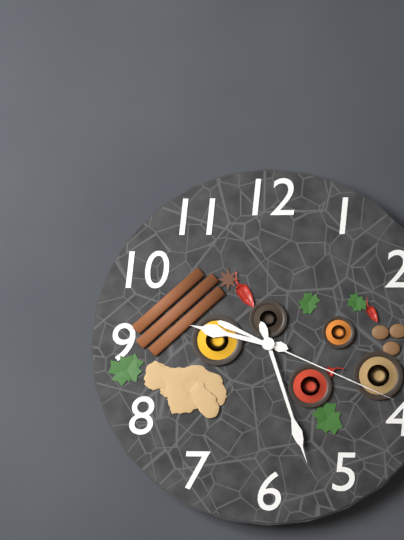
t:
9,27,19
